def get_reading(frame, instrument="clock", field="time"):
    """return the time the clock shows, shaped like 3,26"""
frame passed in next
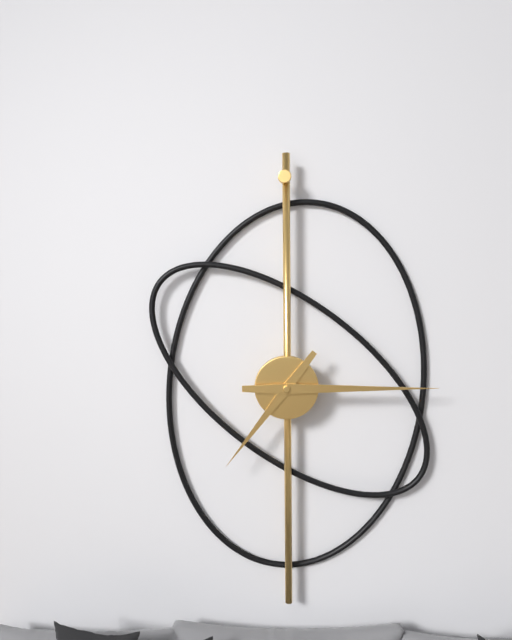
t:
7,15
